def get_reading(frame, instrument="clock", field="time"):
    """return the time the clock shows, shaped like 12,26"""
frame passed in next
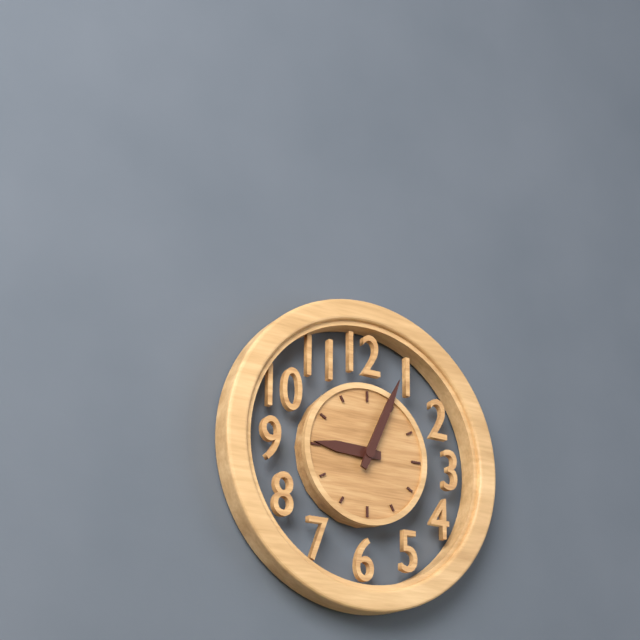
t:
9,04
